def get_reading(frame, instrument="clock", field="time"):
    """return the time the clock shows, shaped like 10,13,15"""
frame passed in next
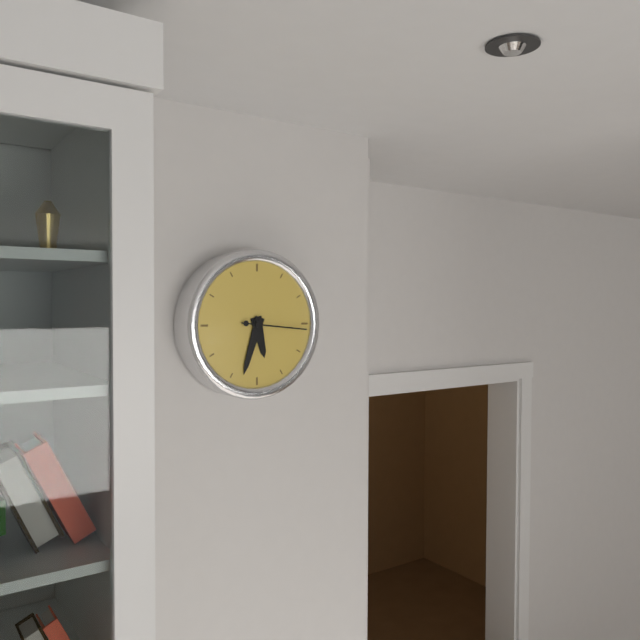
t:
5,33,16
